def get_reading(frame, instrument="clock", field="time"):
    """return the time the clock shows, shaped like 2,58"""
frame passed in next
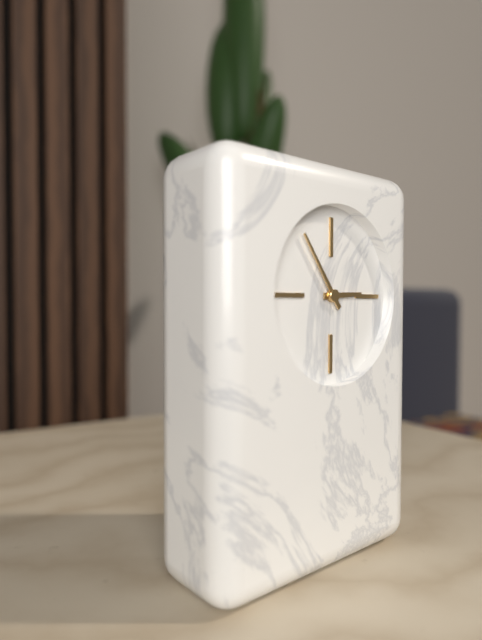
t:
2,54
